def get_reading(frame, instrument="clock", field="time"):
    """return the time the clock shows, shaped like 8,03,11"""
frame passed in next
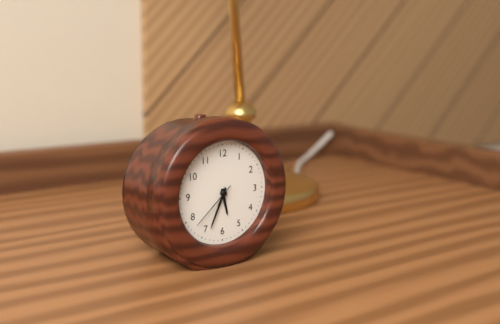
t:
5,34,38
